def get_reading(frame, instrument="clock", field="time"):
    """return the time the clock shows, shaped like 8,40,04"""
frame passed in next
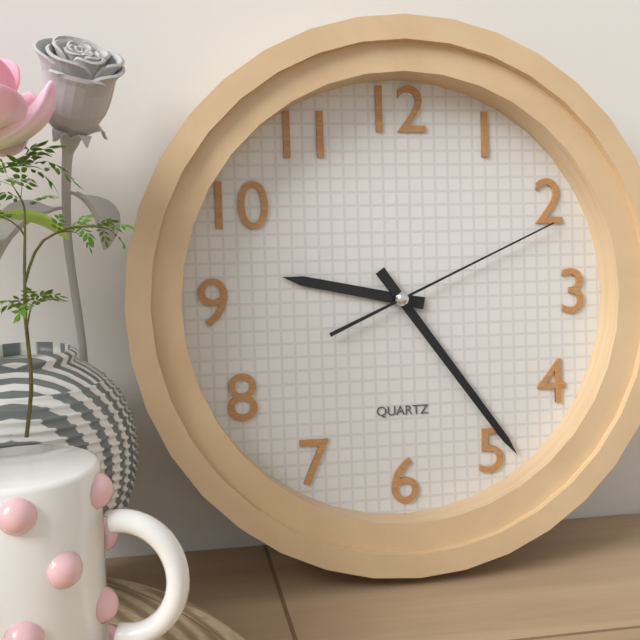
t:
9,24,11
